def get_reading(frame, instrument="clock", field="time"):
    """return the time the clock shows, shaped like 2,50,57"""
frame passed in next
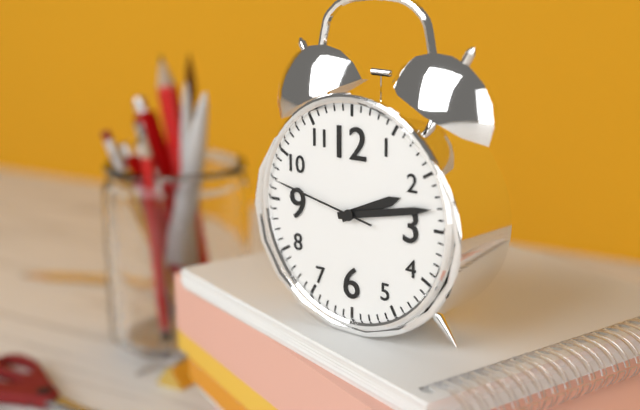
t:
2,13,47
